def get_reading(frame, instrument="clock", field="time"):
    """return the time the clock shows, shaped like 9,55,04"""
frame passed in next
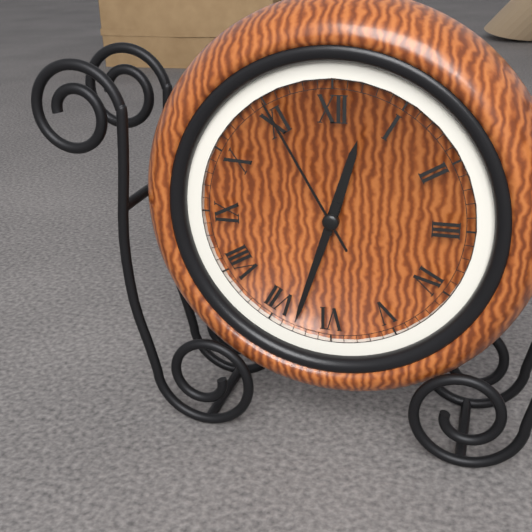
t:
12,33,55
